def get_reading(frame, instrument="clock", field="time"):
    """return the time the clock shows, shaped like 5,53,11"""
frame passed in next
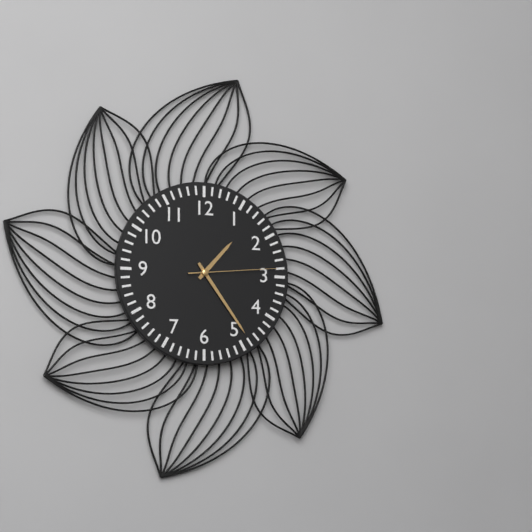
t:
1,24,14
